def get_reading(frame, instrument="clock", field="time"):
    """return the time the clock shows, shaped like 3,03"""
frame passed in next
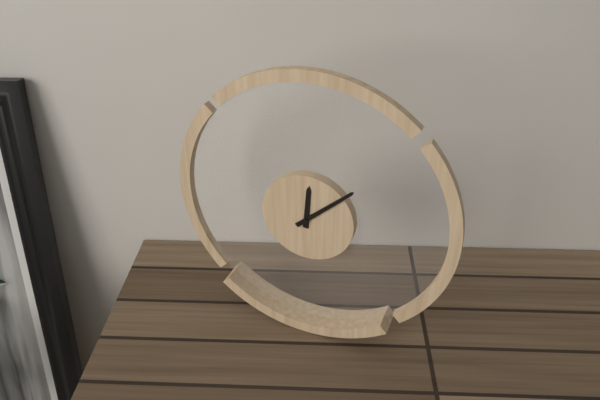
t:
12,08
